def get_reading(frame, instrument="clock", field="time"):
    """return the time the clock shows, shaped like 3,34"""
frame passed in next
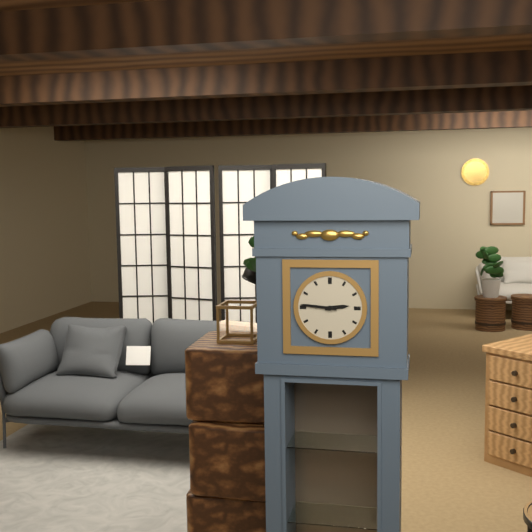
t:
2,46
